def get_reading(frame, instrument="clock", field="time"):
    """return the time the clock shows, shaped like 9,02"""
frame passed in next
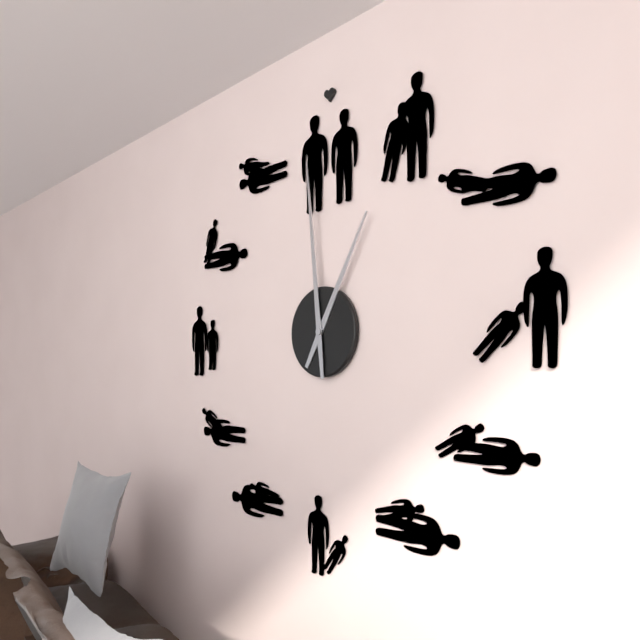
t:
12,59
